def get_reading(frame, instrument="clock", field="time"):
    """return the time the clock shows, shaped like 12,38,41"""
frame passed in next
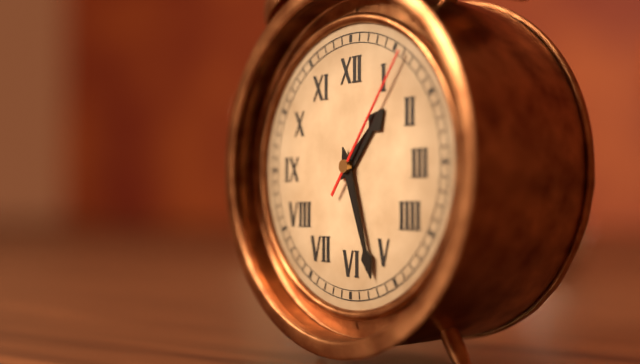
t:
1,27,06
